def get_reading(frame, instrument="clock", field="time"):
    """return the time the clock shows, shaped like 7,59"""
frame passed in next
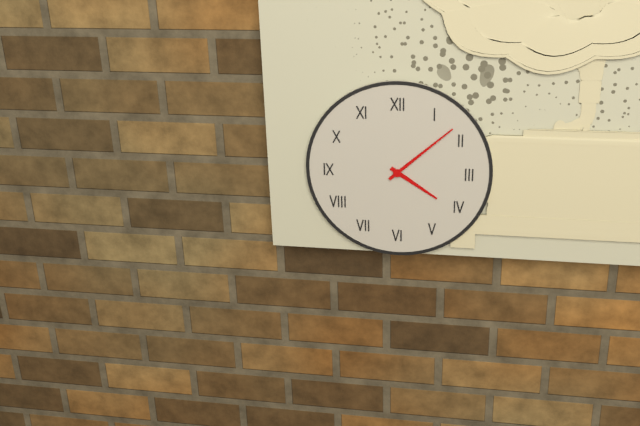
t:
4,08
